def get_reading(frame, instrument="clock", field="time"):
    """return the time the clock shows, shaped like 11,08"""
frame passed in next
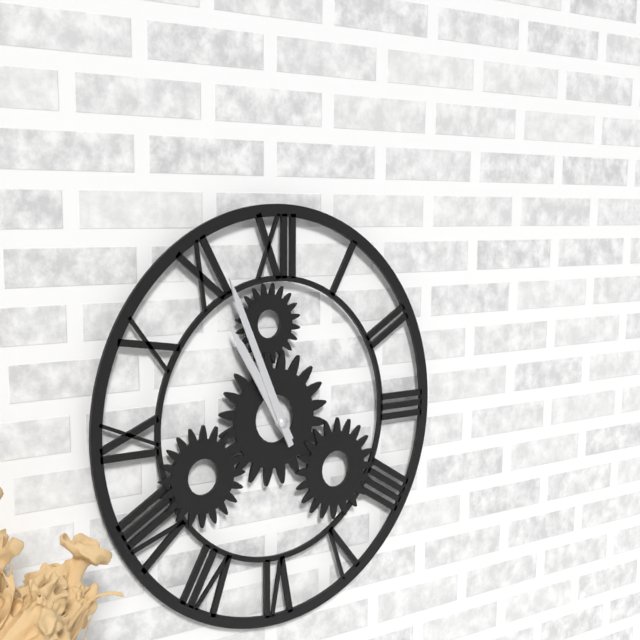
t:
10,56
